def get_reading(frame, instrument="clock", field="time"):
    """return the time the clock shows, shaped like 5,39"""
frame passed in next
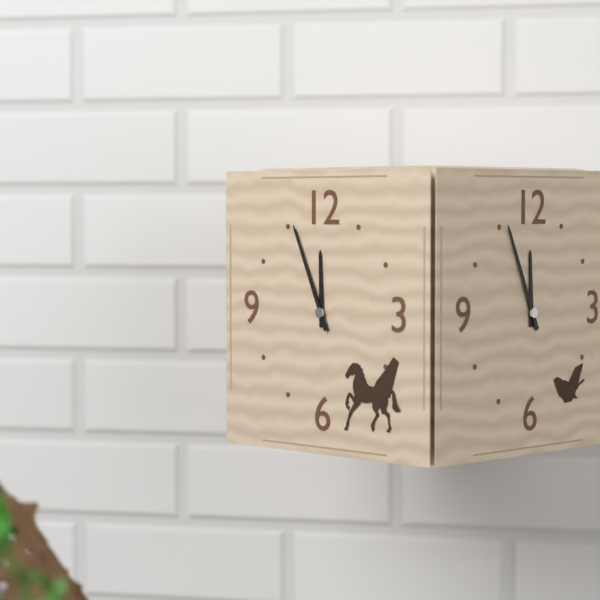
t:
11,56
